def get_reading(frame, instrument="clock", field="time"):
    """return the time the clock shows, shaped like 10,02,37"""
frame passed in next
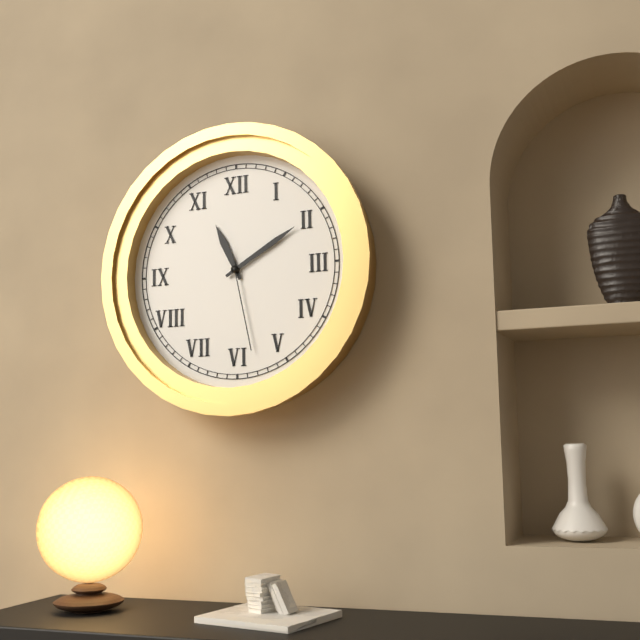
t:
11,10,28
